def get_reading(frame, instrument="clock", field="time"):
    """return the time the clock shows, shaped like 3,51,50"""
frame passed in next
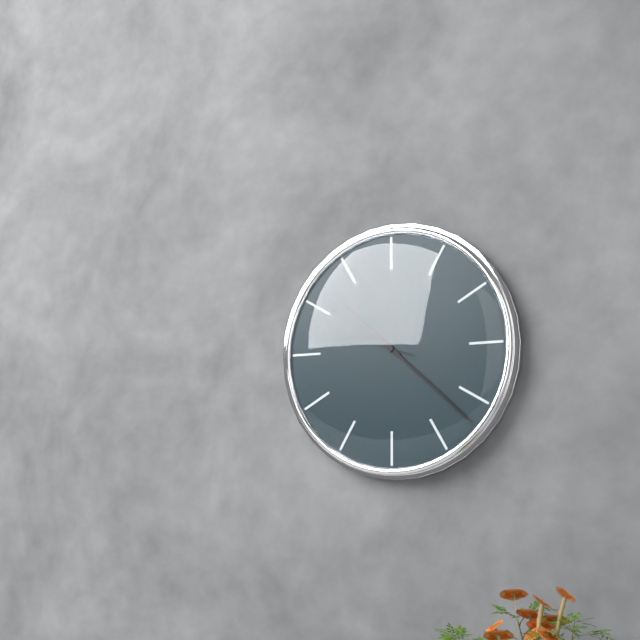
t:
10,22,48
